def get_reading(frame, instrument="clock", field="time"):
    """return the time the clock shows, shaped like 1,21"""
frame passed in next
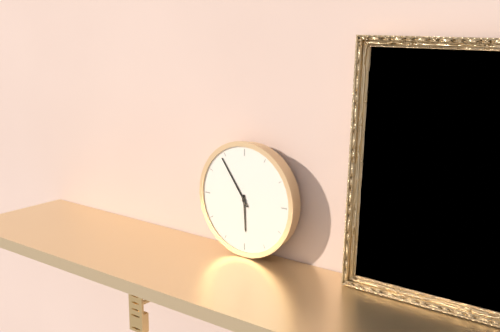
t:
5,54
